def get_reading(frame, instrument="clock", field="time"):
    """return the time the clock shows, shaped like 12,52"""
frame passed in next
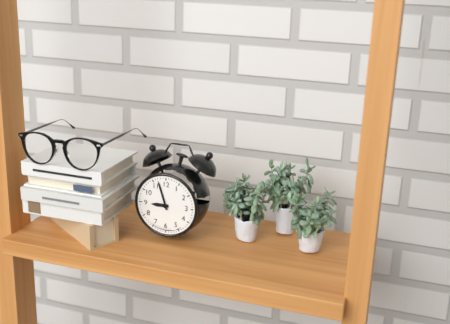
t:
8,57
